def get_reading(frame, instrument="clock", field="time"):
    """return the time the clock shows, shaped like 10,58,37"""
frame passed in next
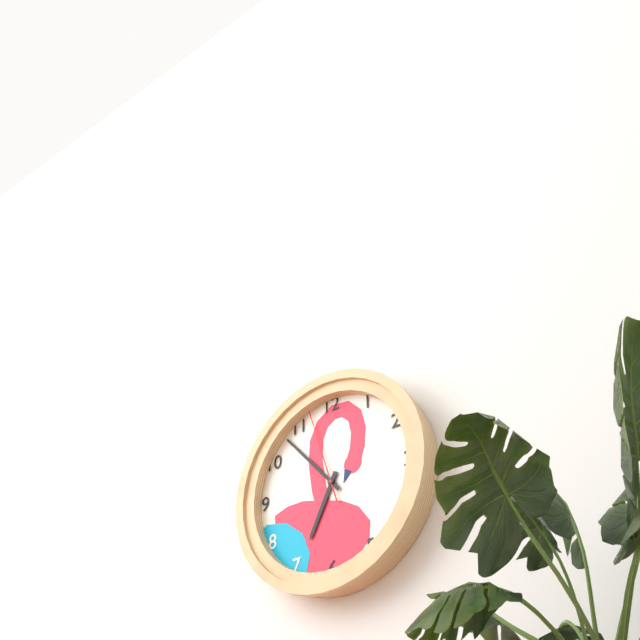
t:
6,53,57
